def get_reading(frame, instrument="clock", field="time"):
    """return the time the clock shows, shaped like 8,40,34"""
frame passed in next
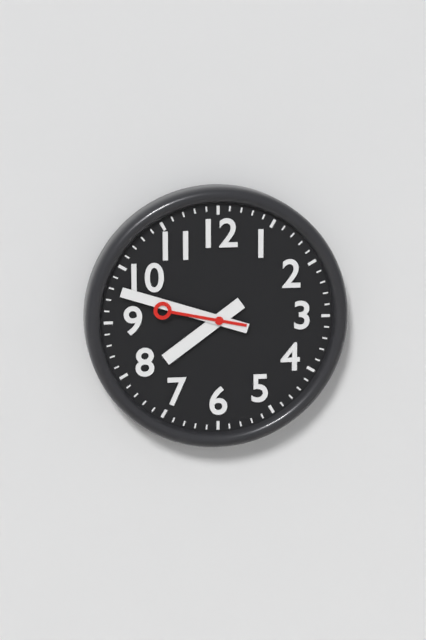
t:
7,48,47
